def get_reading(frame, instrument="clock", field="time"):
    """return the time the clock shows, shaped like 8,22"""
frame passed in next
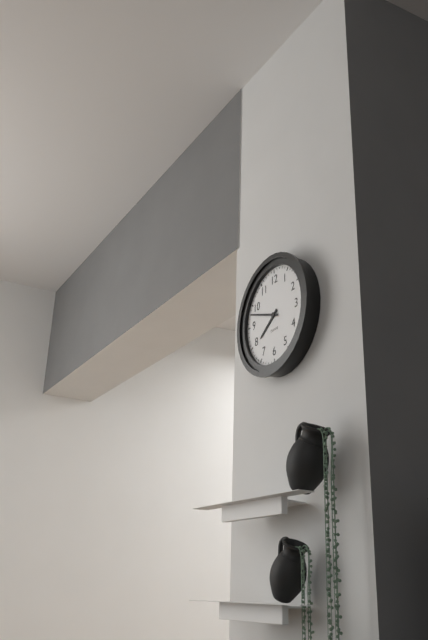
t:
7,48
